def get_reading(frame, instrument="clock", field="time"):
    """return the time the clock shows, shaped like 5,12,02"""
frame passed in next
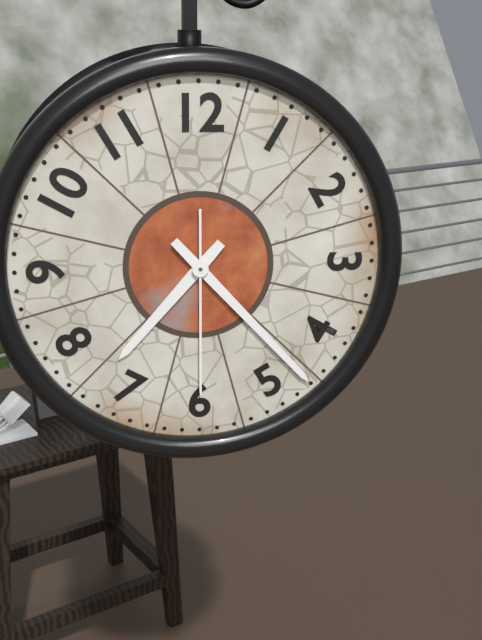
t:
7,23,30
